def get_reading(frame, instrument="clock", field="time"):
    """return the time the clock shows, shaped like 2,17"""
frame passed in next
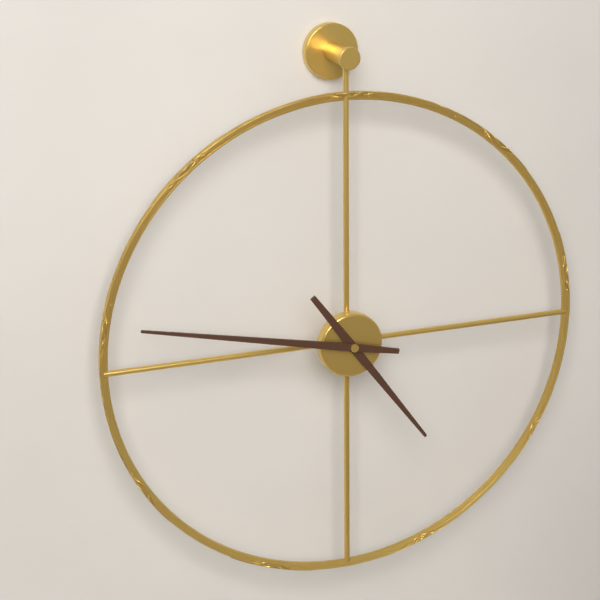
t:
4,47
